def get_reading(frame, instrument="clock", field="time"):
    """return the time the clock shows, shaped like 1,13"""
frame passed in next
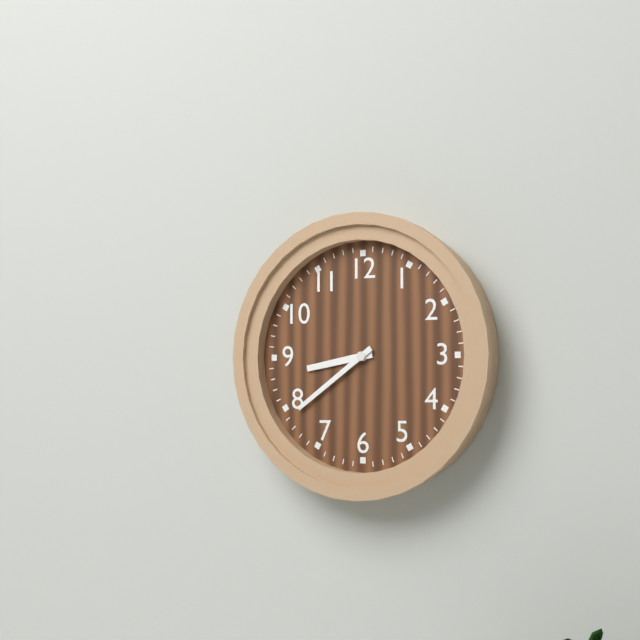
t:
8,39
